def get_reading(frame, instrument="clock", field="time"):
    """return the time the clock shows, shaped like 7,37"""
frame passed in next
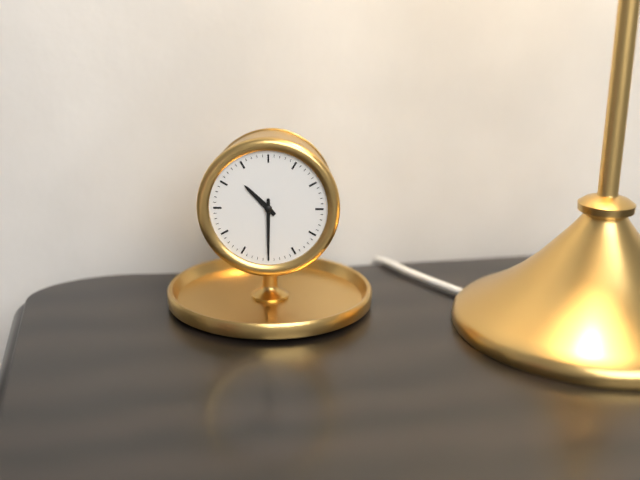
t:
10,30
